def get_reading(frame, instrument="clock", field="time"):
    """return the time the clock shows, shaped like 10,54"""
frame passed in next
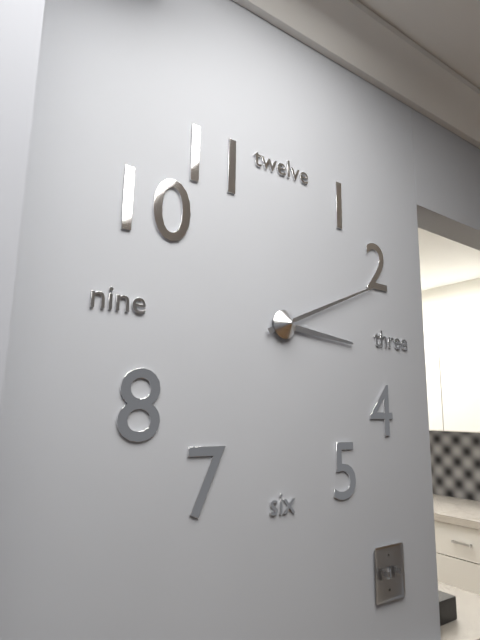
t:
3,11
